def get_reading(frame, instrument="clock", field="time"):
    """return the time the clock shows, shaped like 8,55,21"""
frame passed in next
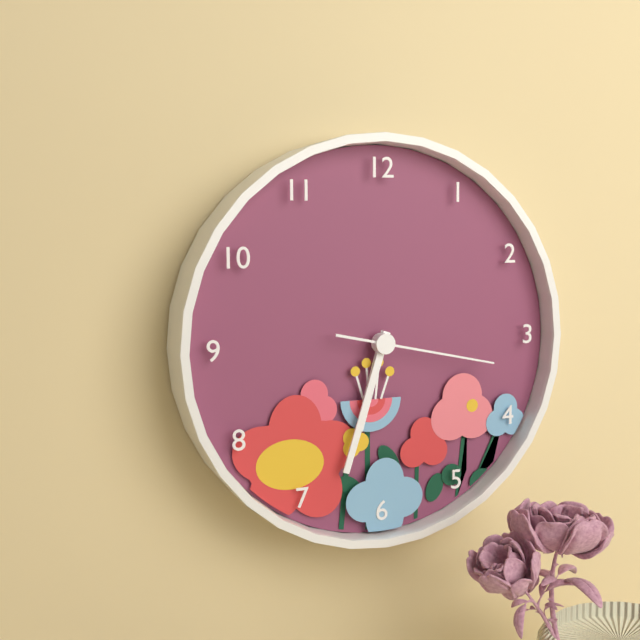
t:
6,33,17
